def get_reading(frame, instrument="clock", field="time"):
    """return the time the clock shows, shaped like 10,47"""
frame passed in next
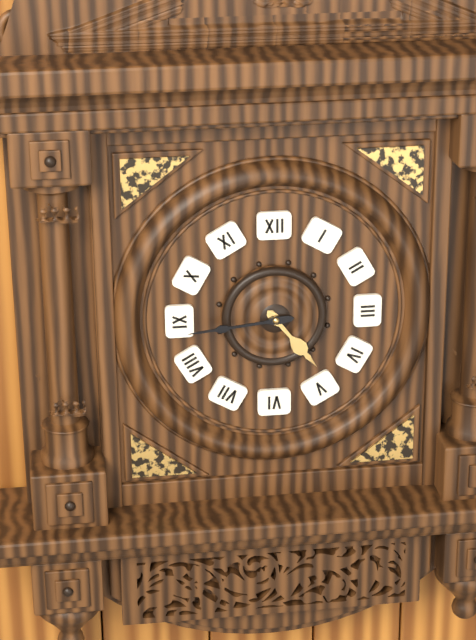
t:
4,44
